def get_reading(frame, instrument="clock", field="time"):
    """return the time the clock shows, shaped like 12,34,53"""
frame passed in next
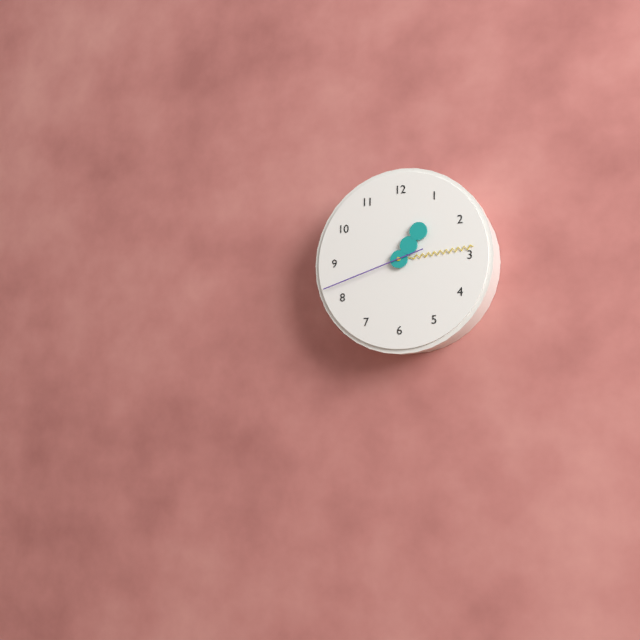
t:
1,14,42
